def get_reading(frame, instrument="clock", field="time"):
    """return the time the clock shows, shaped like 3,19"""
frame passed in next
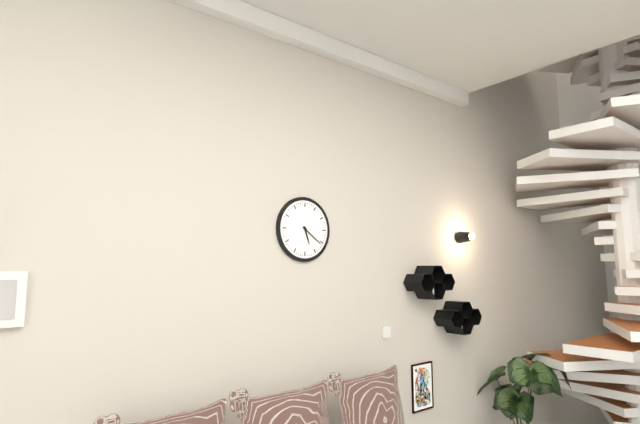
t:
5,21
